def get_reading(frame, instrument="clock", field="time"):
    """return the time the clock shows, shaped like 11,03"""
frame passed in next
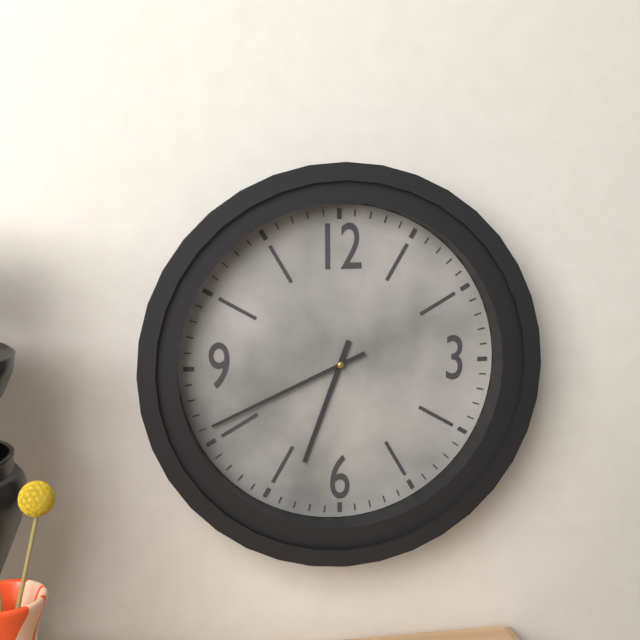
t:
6,41
